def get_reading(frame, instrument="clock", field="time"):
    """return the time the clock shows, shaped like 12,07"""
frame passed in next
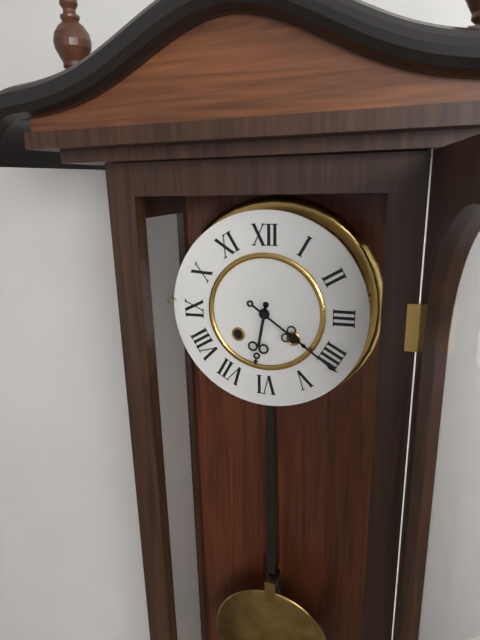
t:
6,21
